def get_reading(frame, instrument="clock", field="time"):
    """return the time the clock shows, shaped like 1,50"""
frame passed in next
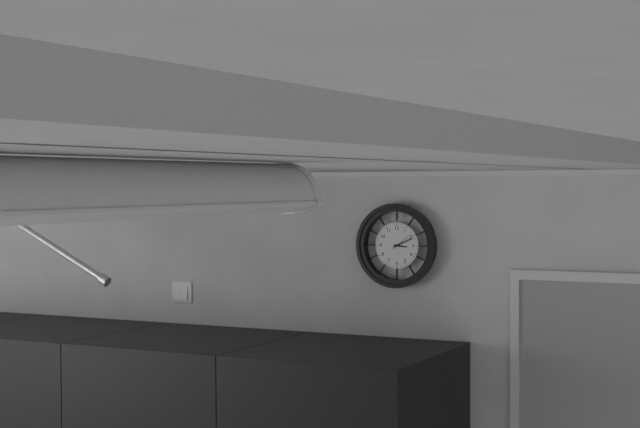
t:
3,11
